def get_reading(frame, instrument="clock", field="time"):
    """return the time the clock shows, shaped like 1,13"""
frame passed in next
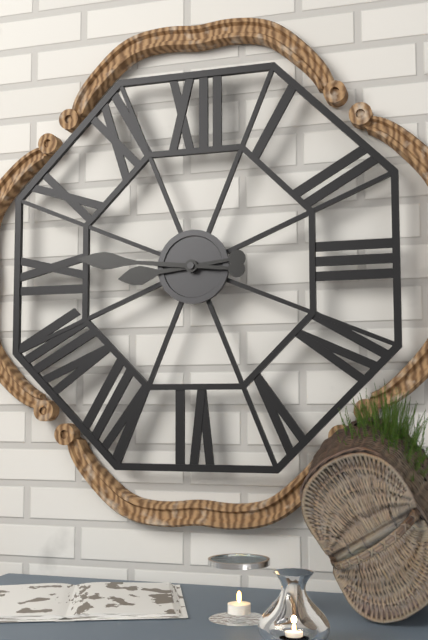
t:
8,46
